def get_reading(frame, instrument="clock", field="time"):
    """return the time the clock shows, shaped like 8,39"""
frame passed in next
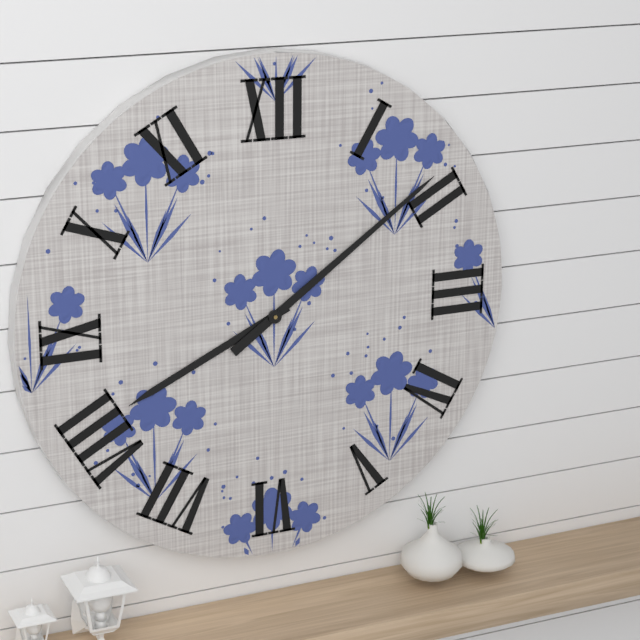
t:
8,09
